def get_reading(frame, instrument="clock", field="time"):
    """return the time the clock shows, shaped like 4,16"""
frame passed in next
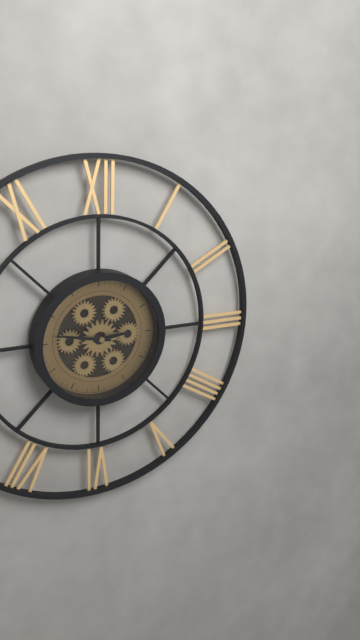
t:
2,47
